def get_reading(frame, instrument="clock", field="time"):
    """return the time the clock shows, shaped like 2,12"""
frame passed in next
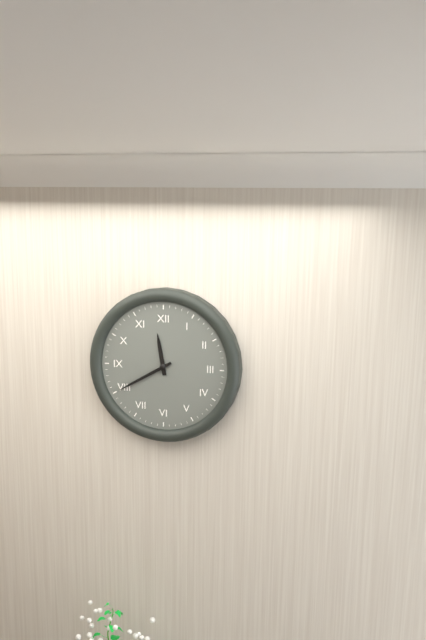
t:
11,40
